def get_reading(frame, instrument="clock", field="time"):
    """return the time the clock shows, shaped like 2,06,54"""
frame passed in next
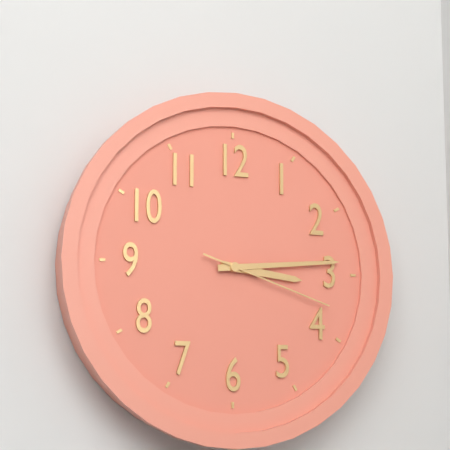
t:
3,14,18
